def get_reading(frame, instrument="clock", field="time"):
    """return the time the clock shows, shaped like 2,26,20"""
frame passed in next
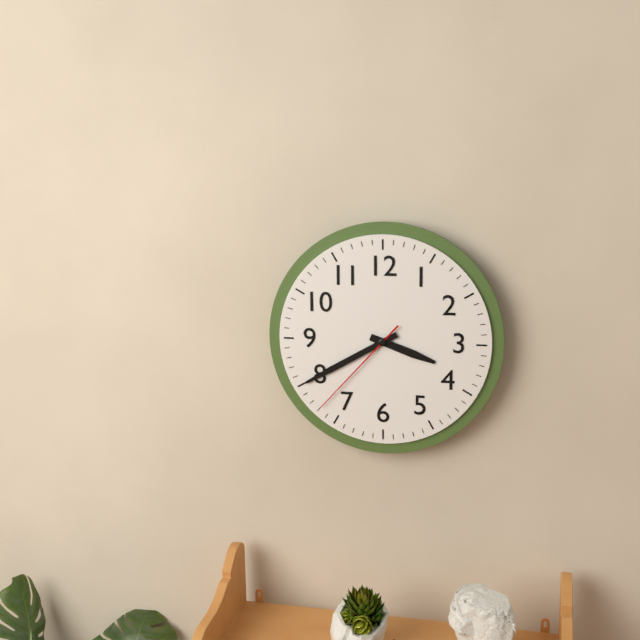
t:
3,40,37
